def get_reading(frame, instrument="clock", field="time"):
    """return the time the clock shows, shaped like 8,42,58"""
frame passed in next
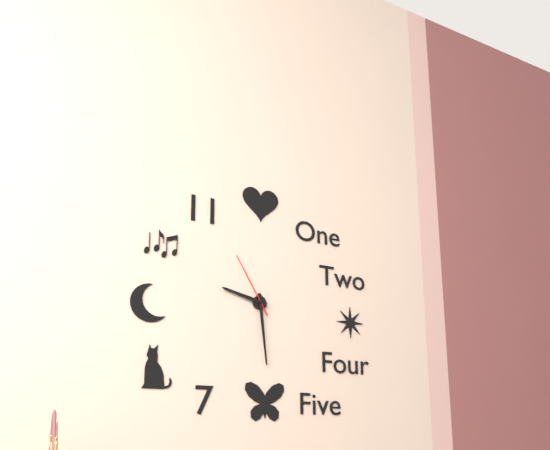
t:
9,29,55
